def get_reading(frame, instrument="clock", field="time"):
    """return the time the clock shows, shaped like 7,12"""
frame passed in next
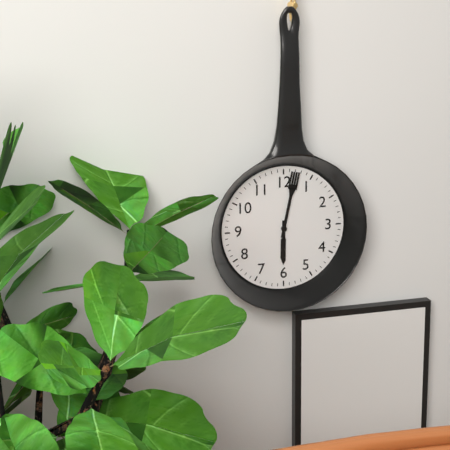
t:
6,02
